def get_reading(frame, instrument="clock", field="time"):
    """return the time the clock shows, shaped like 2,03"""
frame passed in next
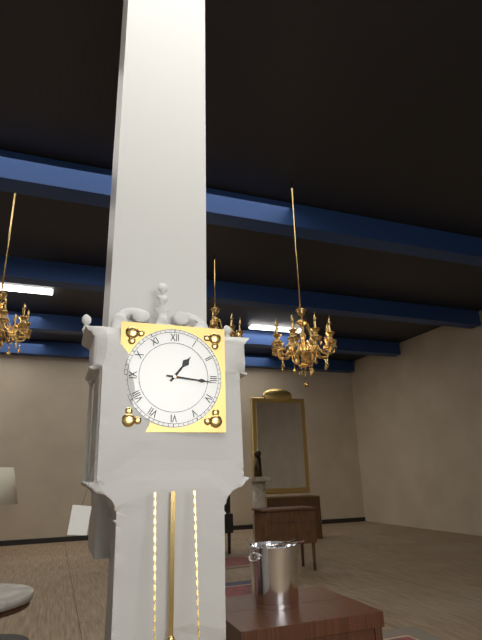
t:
1,16
